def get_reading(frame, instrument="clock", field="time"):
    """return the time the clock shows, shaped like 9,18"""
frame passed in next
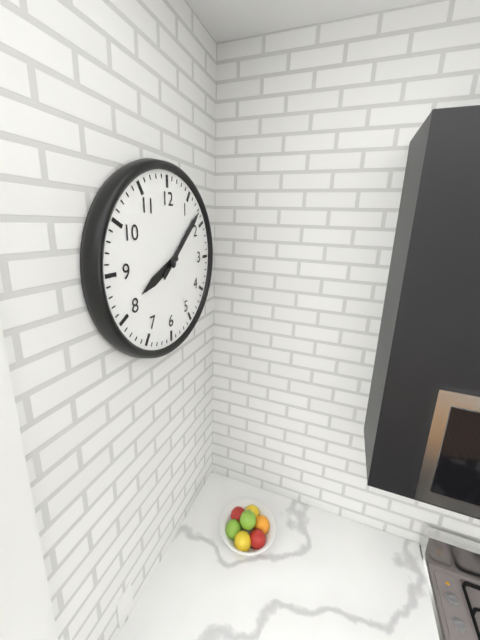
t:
8,08
